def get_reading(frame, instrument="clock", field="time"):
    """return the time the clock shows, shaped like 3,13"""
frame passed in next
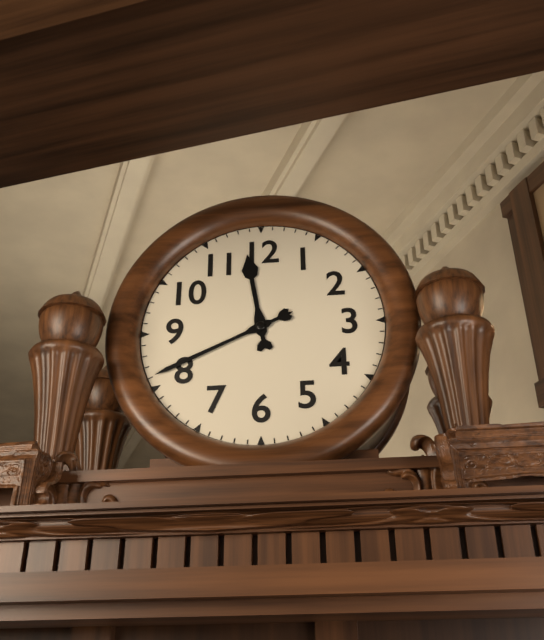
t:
11,41
